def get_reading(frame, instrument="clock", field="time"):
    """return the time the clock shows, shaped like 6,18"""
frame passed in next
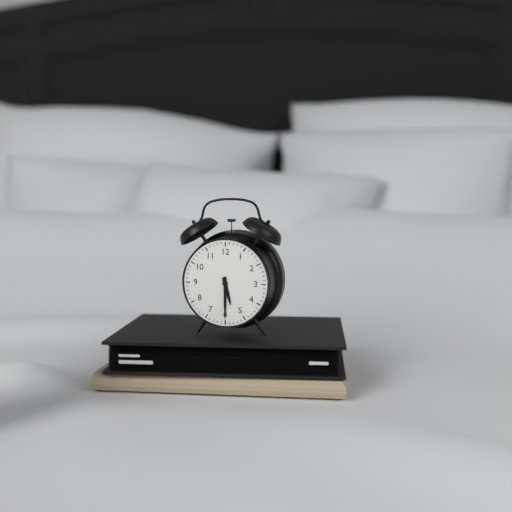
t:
5,30
